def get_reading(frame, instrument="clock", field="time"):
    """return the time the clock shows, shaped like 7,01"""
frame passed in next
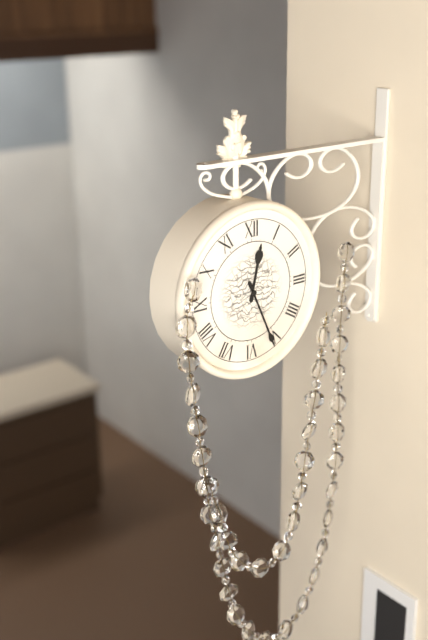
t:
12,26
